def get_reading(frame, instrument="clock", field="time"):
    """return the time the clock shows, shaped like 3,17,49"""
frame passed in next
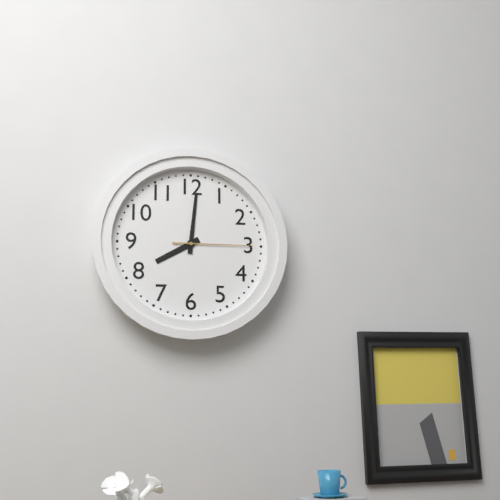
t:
8,01,15
